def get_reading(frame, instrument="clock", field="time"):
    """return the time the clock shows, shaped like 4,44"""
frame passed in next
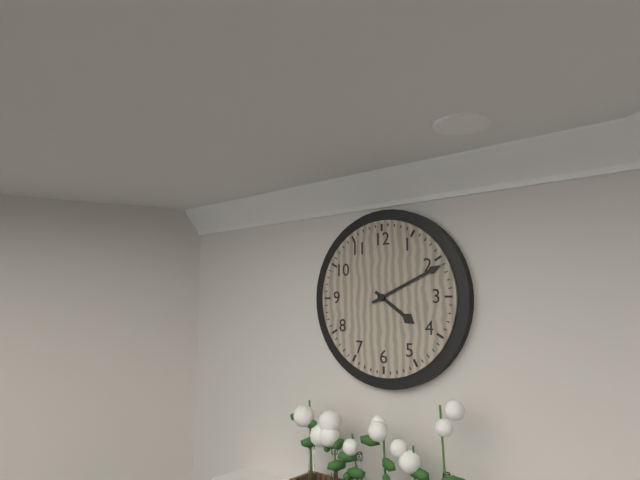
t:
4,11
